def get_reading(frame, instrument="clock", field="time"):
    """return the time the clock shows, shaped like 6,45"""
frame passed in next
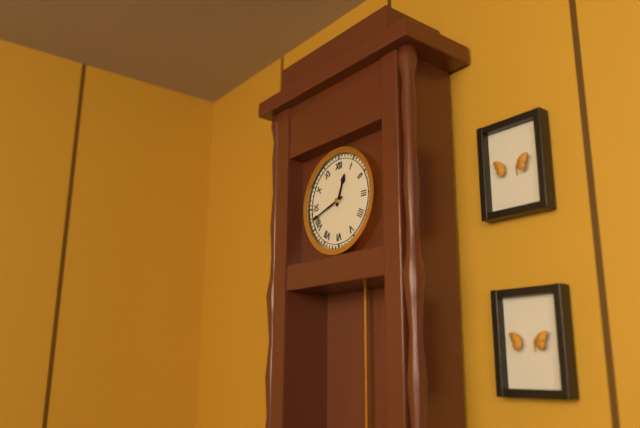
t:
12,42
